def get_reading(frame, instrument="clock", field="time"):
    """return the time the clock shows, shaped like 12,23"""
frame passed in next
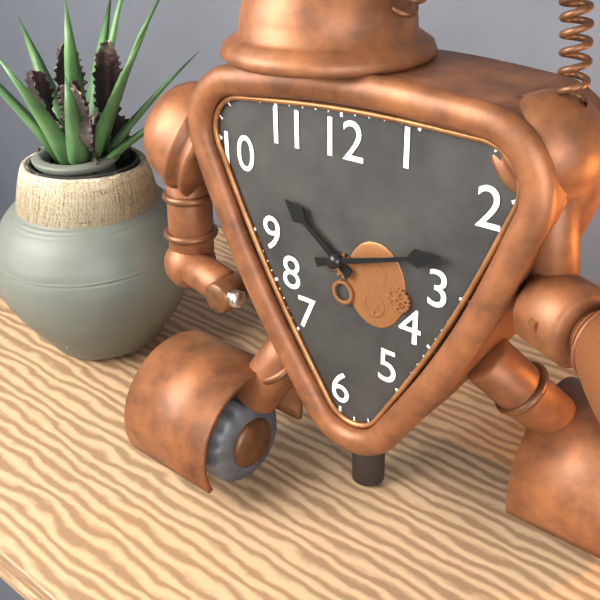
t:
10,12
